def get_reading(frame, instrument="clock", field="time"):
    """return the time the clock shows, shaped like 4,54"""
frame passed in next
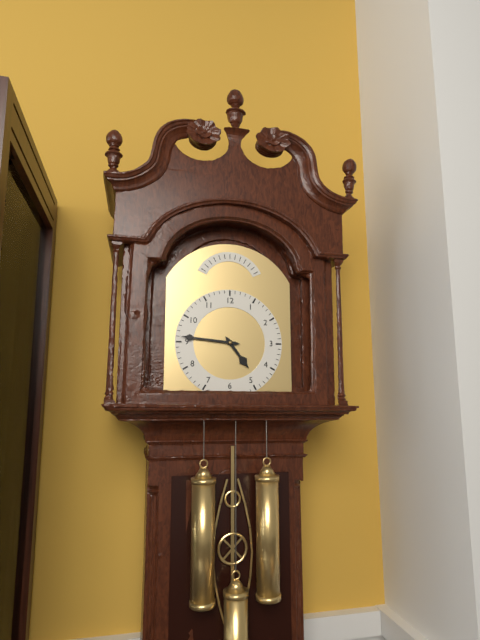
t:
4,46
